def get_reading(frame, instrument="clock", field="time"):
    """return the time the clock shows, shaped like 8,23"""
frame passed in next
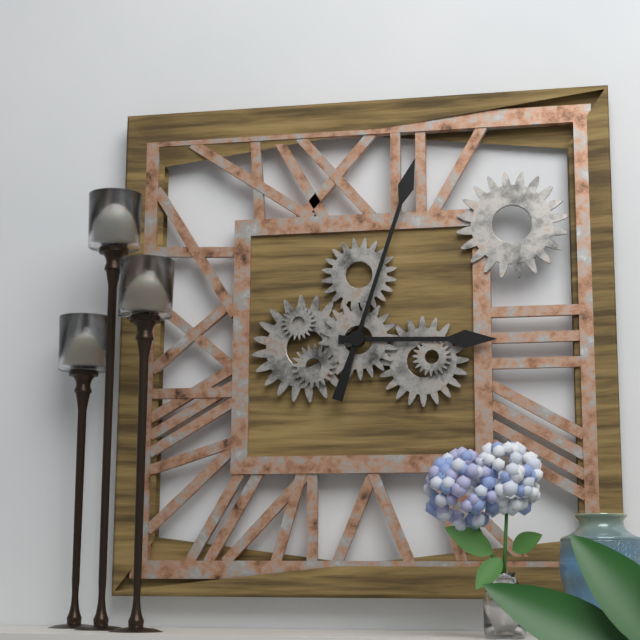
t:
3,03
